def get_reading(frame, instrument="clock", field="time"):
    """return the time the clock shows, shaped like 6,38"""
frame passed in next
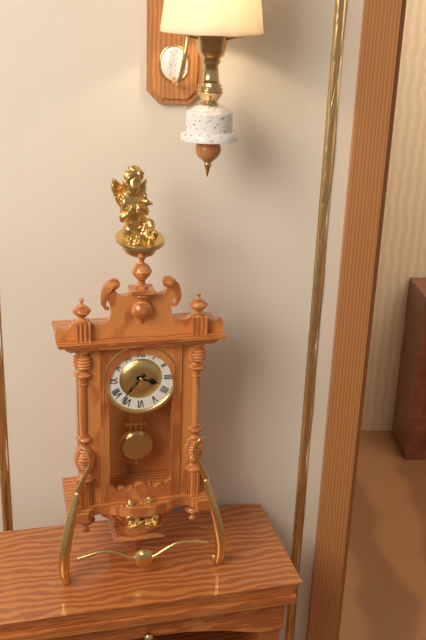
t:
3,37
